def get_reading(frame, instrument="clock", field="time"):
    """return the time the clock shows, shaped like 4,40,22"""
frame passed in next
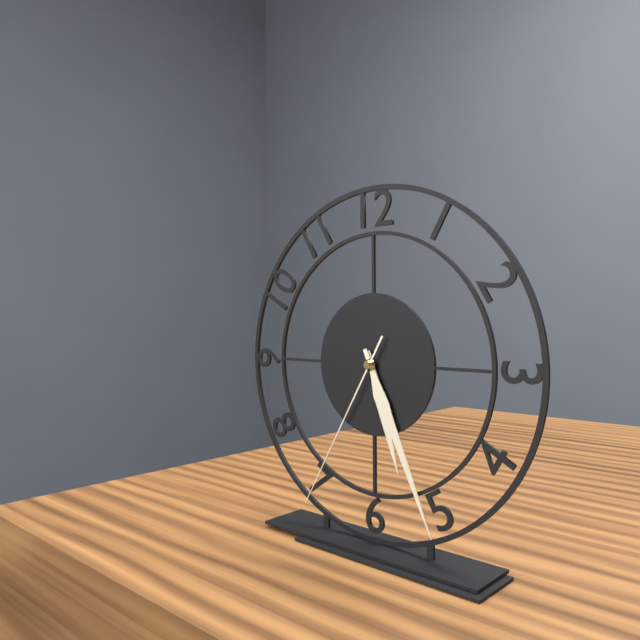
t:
5,26,35
